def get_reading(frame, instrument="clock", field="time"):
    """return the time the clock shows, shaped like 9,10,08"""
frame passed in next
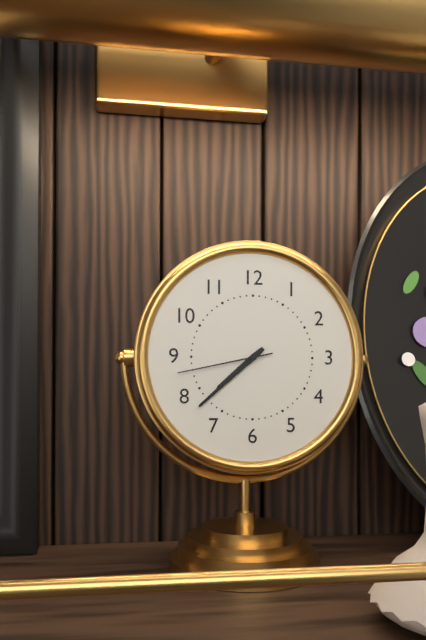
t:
7,38,43
